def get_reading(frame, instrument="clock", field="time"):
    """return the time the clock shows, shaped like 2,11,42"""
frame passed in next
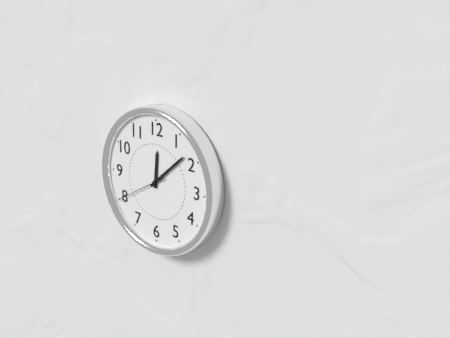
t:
12,08,40
